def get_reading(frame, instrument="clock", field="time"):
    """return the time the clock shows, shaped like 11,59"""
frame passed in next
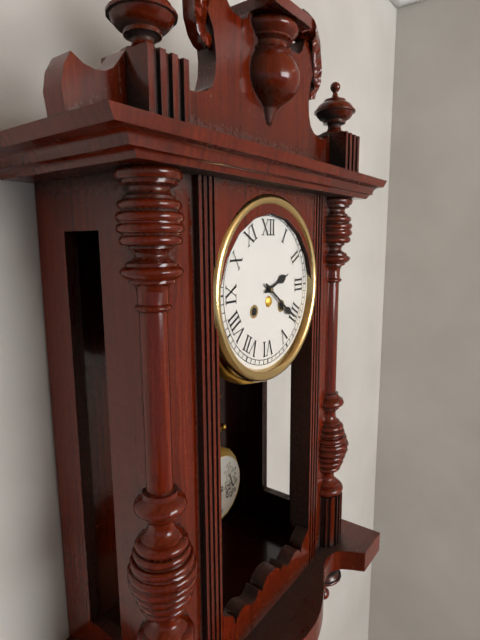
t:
2,21
